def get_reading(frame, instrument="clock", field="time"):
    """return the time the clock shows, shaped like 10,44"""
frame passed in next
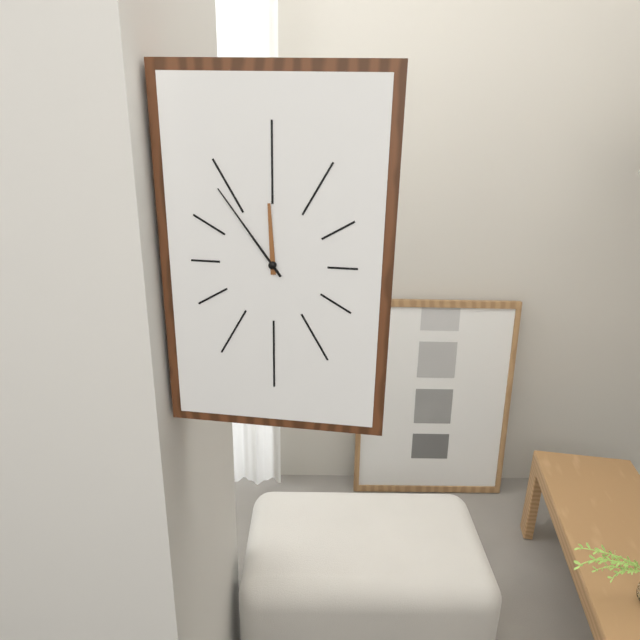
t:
11,54
